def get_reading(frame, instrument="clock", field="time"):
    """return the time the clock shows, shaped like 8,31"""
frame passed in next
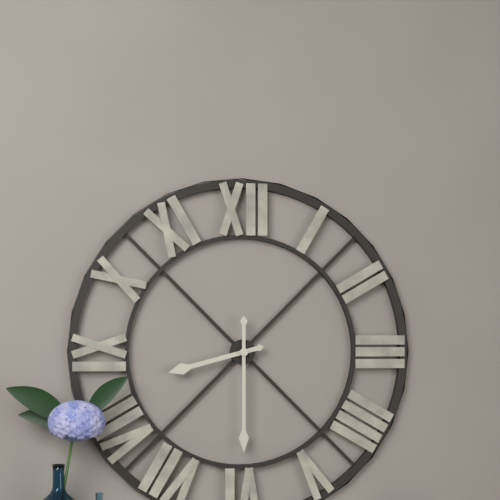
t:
8,30
